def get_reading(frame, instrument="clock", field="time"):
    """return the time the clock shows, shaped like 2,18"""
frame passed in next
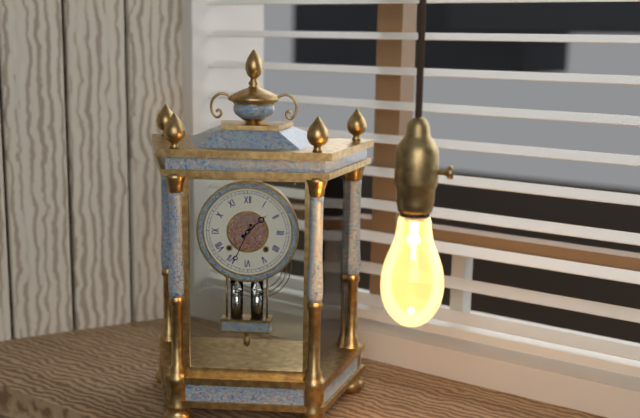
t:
1,34
